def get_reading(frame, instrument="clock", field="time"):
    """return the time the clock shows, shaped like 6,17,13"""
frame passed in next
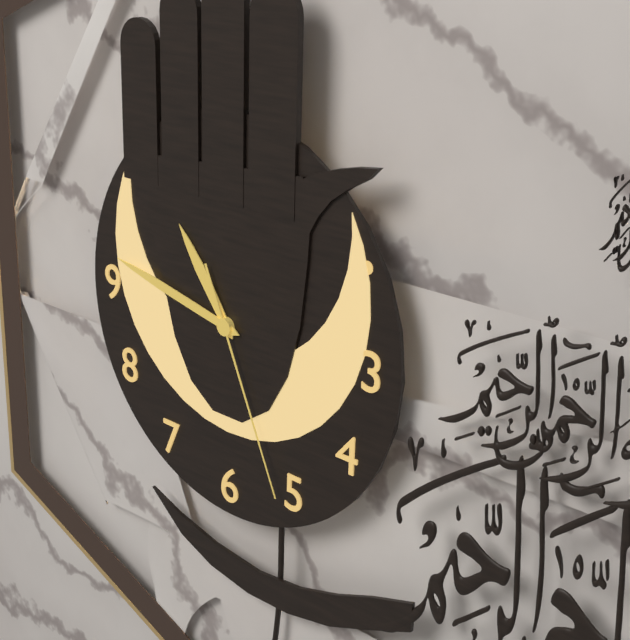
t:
10,47,26
